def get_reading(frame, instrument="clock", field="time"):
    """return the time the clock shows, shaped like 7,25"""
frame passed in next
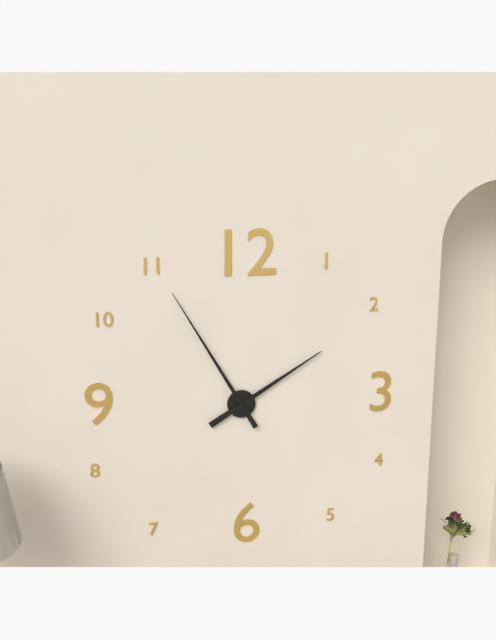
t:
1,55
